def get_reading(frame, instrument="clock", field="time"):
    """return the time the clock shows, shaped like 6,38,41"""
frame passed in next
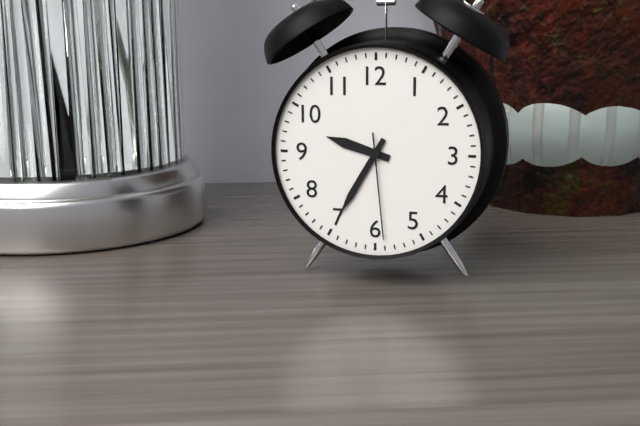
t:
9,35,29
